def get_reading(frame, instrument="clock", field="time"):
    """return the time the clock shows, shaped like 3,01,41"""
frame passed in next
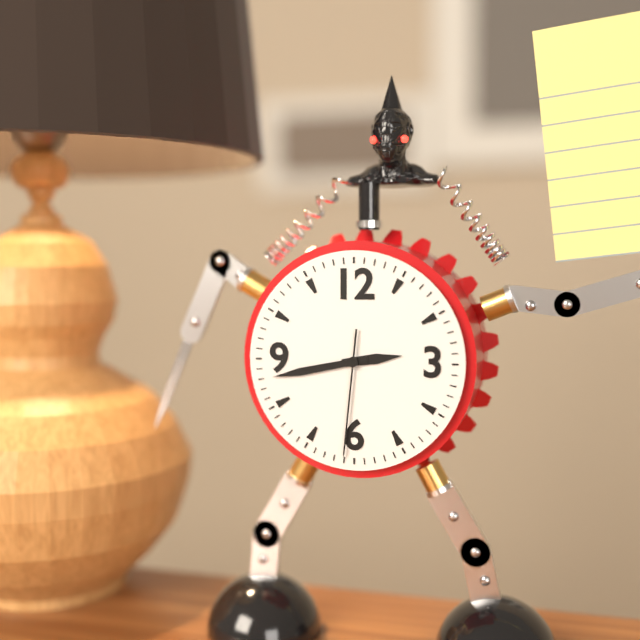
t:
2,43,31
